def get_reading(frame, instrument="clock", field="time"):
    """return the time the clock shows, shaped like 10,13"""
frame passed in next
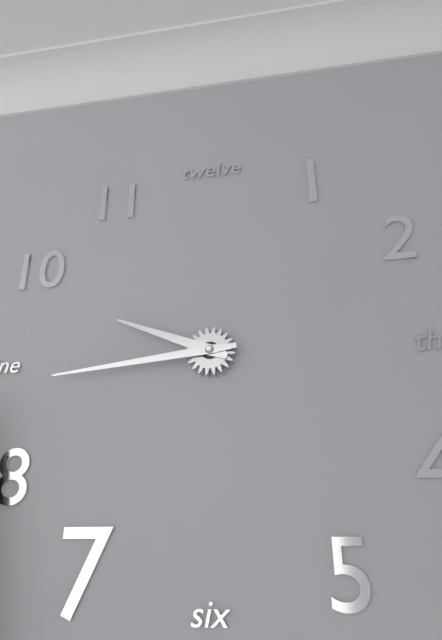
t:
9,44
